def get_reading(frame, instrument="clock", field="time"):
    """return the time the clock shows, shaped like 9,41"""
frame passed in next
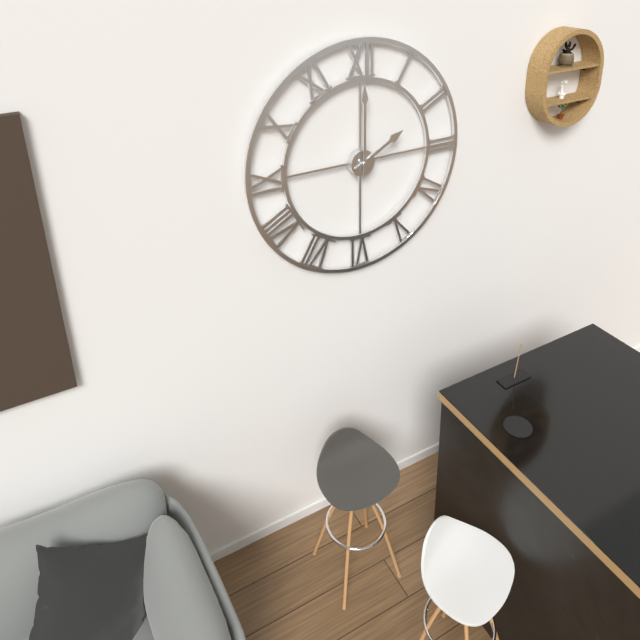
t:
2,00
